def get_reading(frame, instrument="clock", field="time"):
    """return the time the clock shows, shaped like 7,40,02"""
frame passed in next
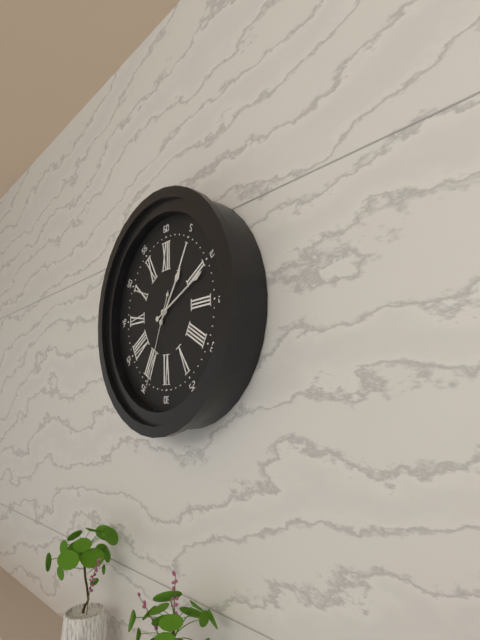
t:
1,11,34
